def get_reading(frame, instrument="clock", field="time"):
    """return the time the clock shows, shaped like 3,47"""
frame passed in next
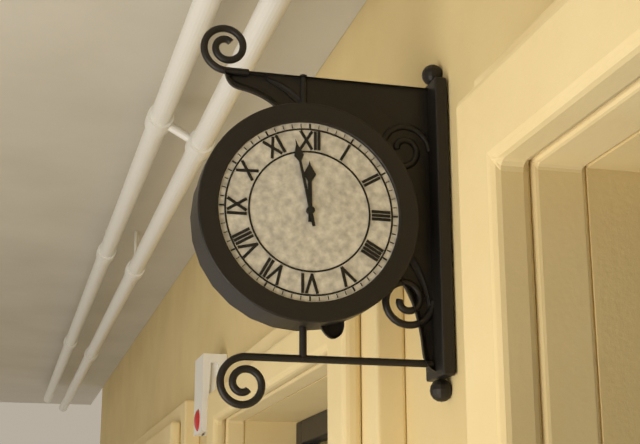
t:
11,58
